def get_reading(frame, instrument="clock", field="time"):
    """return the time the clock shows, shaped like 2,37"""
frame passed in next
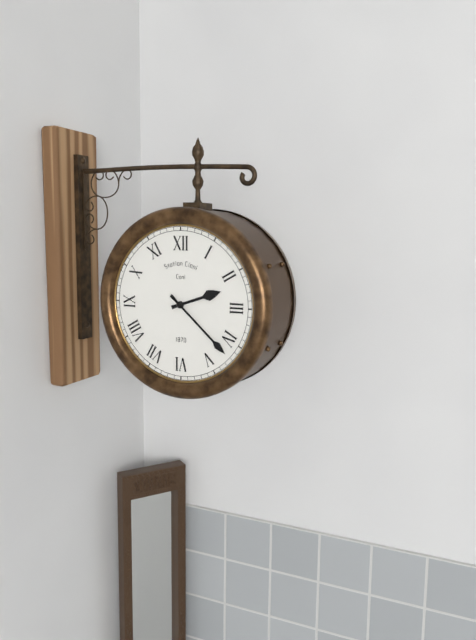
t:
2,22
